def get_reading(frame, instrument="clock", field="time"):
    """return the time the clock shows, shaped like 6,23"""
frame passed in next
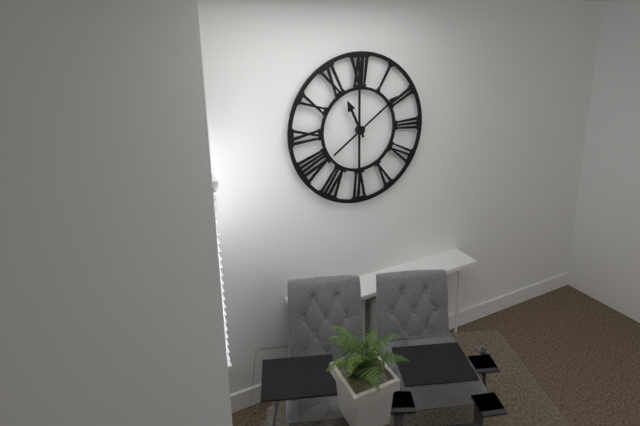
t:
11,09
